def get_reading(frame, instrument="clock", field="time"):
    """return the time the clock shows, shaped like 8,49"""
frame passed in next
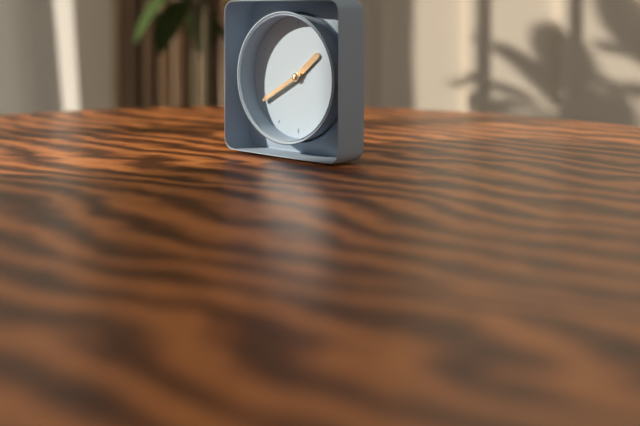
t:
1,40
